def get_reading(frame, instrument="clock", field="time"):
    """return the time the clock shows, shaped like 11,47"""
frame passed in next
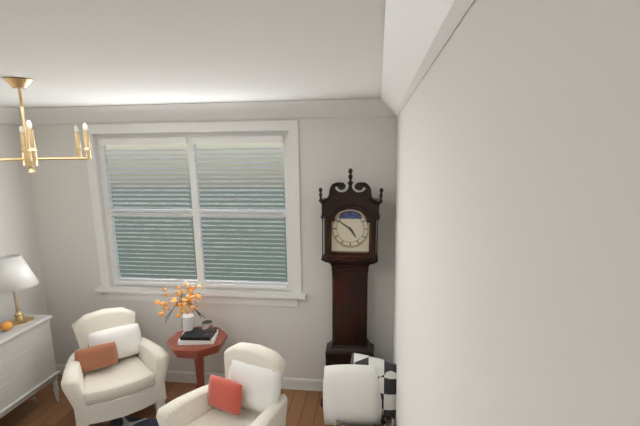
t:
4,51
